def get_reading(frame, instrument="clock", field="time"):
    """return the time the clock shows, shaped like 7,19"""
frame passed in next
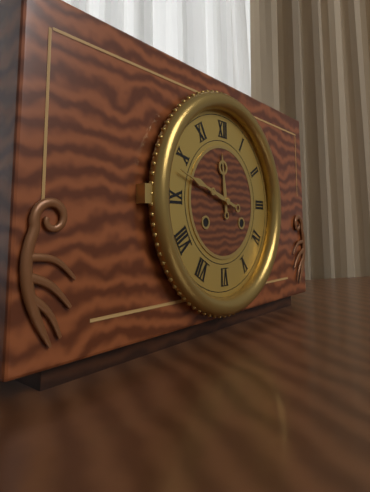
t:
11,48
